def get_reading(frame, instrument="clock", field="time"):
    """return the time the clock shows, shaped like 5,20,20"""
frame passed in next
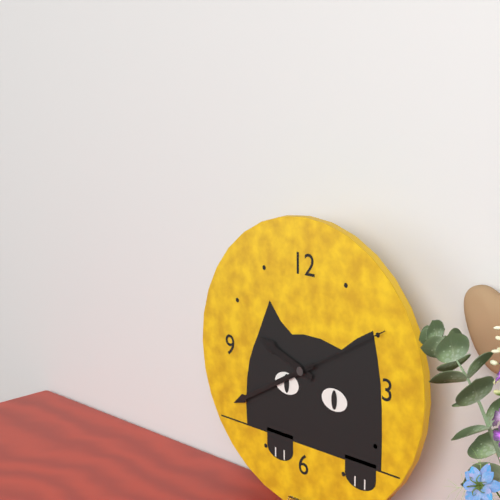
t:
9,40,10
